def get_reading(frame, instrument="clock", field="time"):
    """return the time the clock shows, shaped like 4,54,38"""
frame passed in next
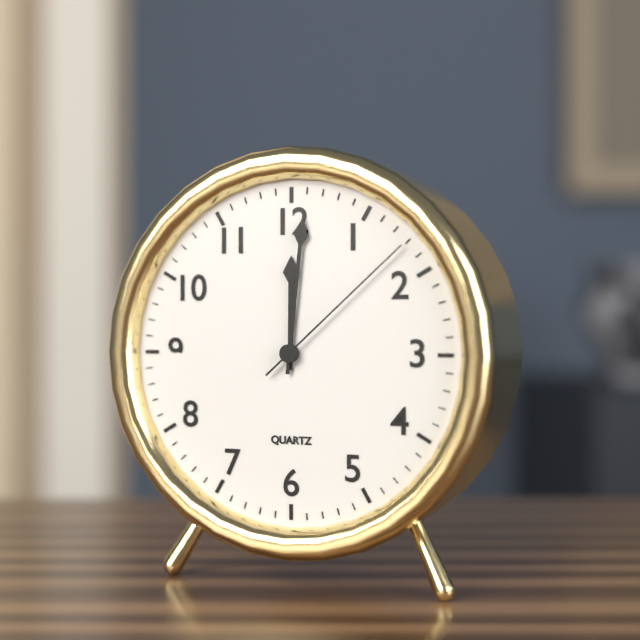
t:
12,01,08
